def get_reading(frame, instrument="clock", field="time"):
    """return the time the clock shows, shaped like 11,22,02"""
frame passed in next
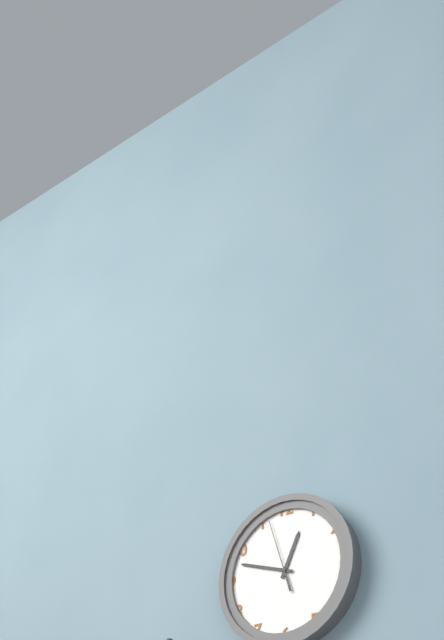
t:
12,48,57
